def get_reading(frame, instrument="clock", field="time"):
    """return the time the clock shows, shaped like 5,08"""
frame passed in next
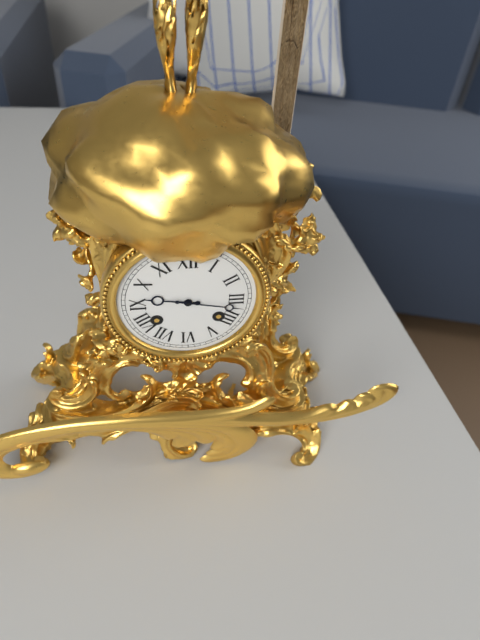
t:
9,17
